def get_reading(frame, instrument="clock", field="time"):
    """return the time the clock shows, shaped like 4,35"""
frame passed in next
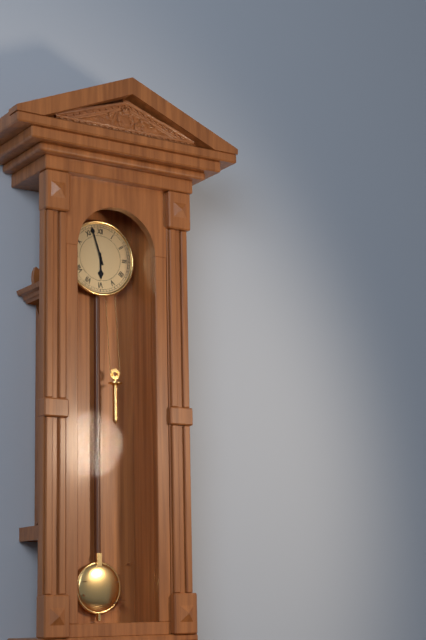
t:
5,57
